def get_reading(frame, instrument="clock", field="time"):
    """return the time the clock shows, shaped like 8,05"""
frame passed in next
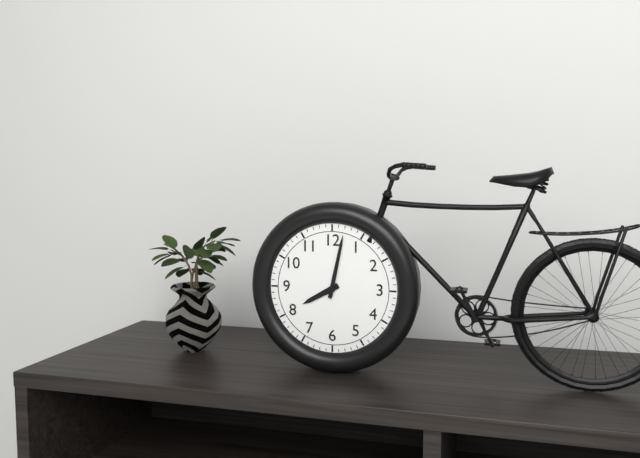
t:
8,02
